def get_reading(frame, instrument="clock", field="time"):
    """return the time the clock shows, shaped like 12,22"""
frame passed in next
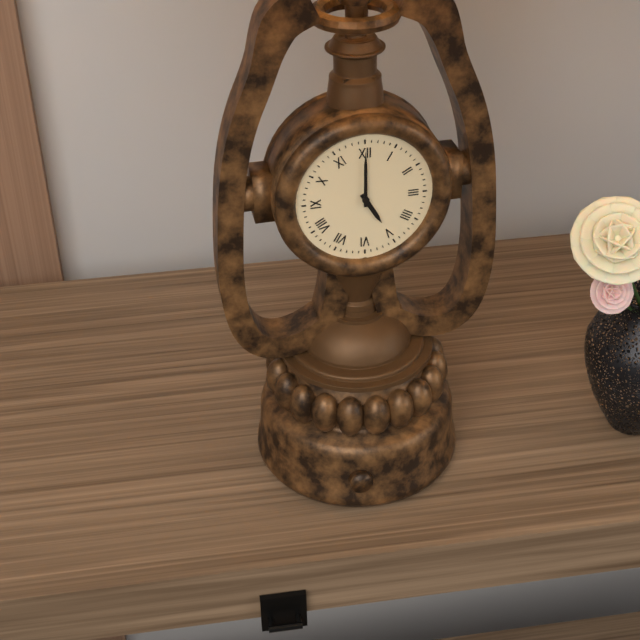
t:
5,00
